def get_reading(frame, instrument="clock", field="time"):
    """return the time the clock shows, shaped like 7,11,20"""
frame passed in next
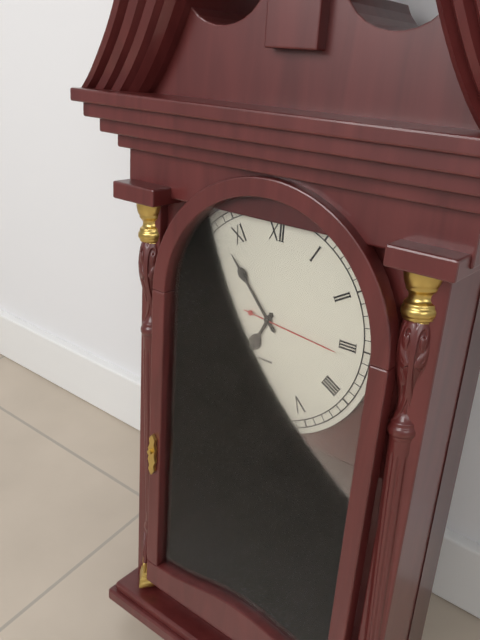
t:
6,53,16
